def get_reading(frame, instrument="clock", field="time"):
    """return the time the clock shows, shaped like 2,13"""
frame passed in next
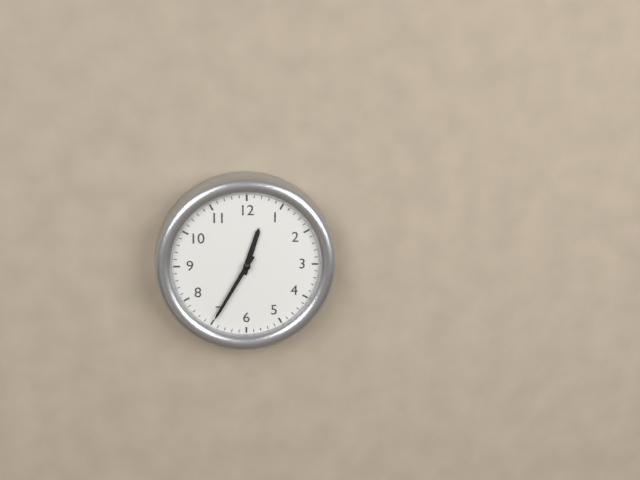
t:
12,35
